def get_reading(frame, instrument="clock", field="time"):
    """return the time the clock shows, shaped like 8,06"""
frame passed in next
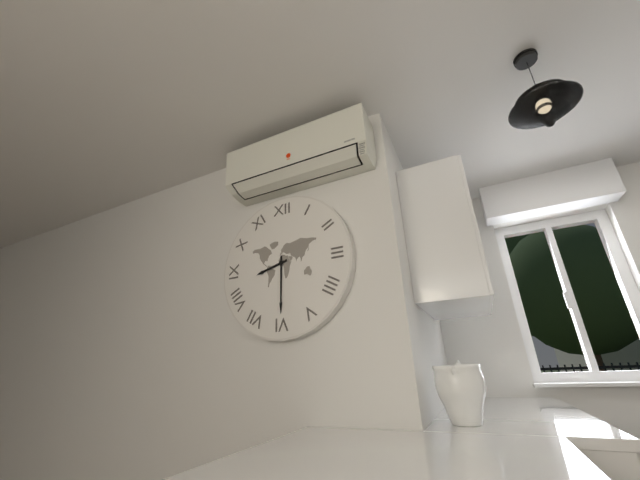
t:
8,30
